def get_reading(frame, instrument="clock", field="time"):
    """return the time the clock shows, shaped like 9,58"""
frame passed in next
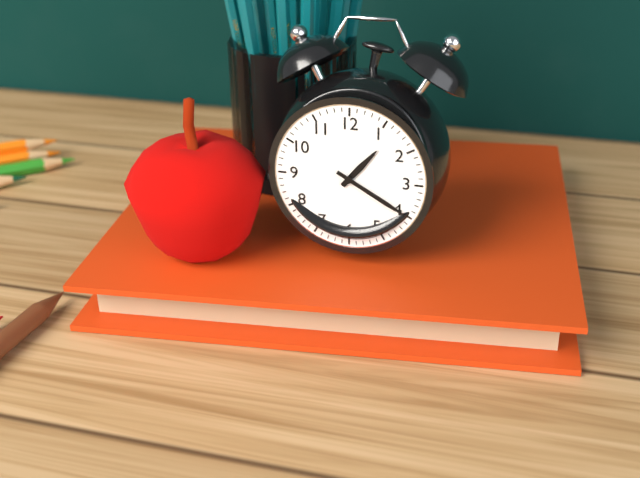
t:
1,20
